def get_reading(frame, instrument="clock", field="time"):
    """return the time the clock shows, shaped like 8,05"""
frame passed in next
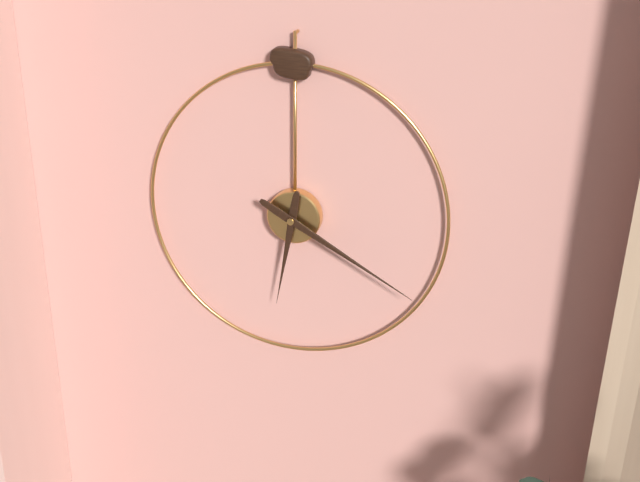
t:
6,20
